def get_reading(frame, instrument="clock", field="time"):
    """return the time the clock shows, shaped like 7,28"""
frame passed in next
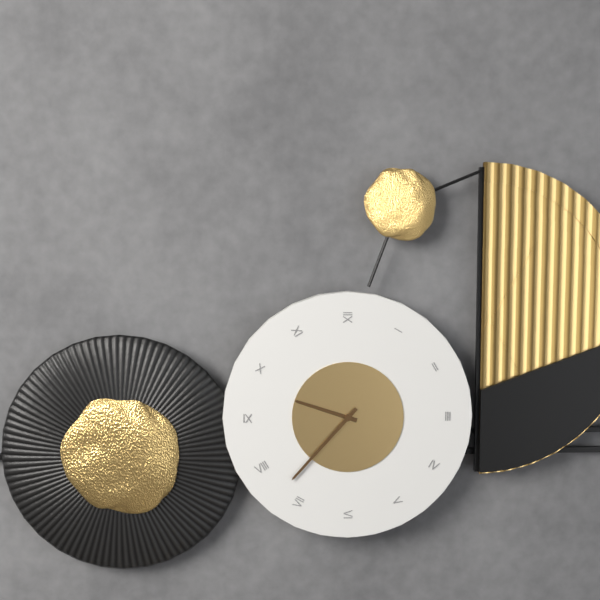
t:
9,37
